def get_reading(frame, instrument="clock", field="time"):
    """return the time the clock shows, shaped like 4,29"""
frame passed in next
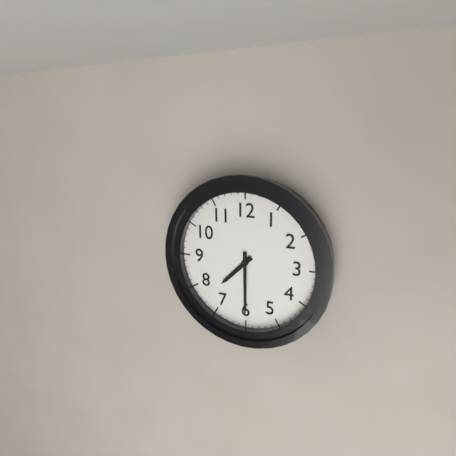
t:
7,30
